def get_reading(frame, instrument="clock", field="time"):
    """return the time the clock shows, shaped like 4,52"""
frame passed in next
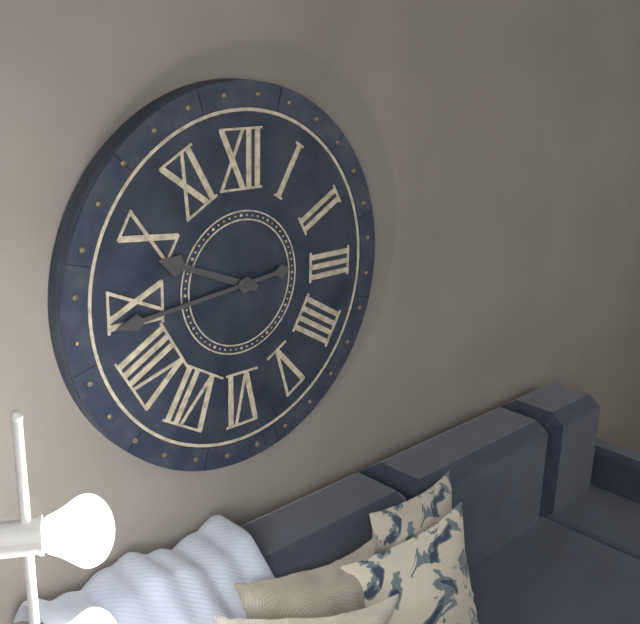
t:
9,44
